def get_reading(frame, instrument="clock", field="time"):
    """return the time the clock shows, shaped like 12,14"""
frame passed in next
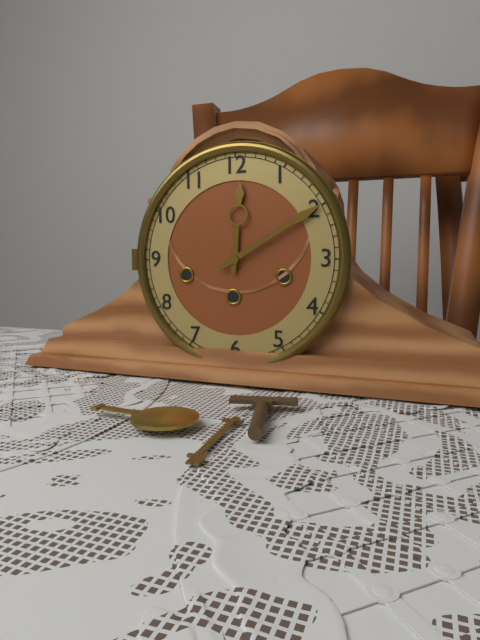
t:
12,10
